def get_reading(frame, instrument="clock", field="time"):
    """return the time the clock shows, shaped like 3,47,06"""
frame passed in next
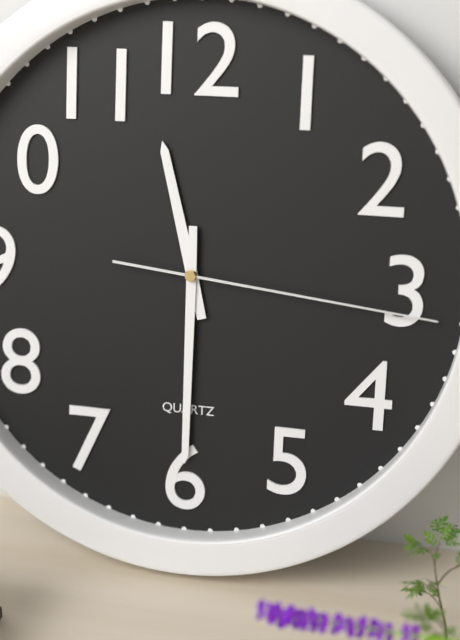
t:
11,30,16
